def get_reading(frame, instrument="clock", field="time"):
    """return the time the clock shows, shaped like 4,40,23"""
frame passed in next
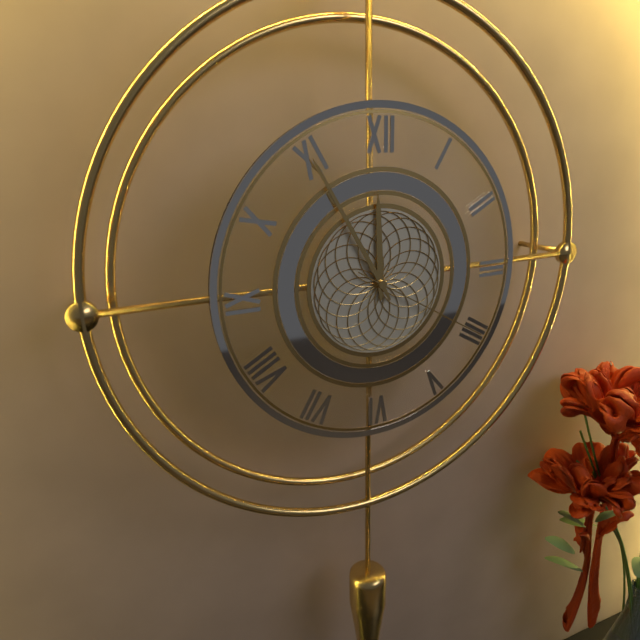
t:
11,55,20
